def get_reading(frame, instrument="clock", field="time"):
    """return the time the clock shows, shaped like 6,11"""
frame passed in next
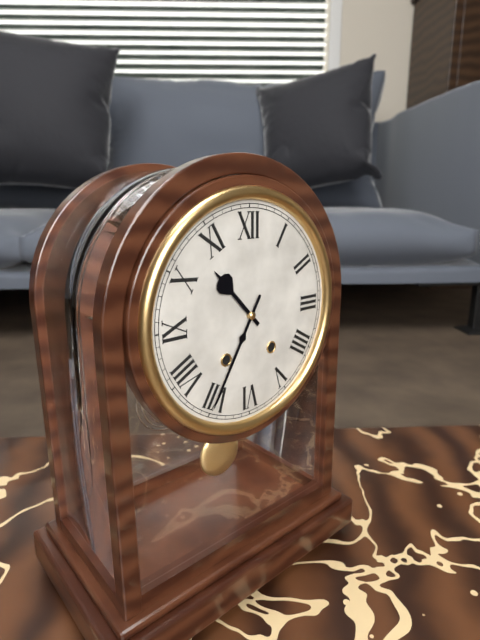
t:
10,35
